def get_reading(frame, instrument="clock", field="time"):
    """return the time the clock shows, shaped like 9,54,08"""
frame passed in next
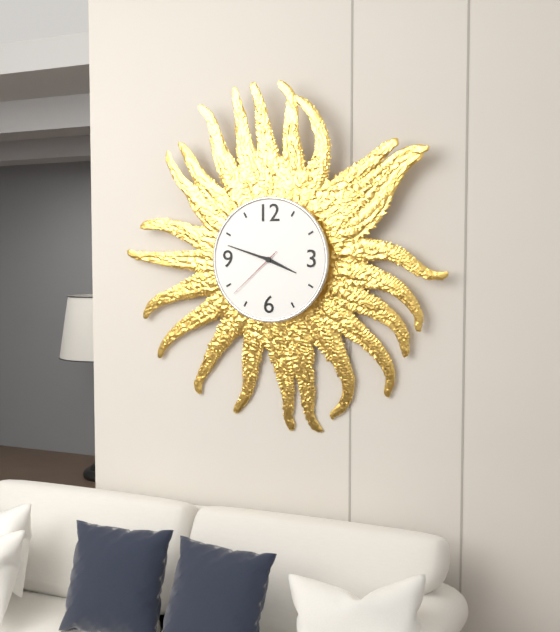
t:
3,48,38
